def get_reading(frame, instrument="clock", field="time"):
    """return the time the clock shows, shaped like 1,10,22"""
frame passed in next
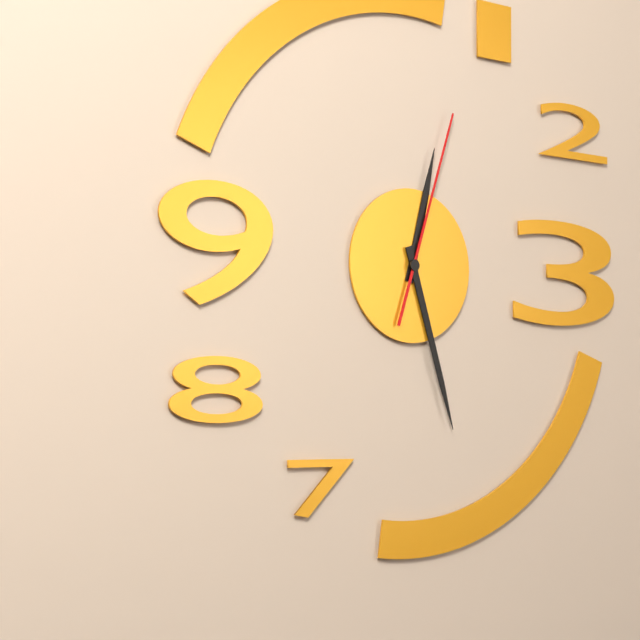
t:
12,27,03
